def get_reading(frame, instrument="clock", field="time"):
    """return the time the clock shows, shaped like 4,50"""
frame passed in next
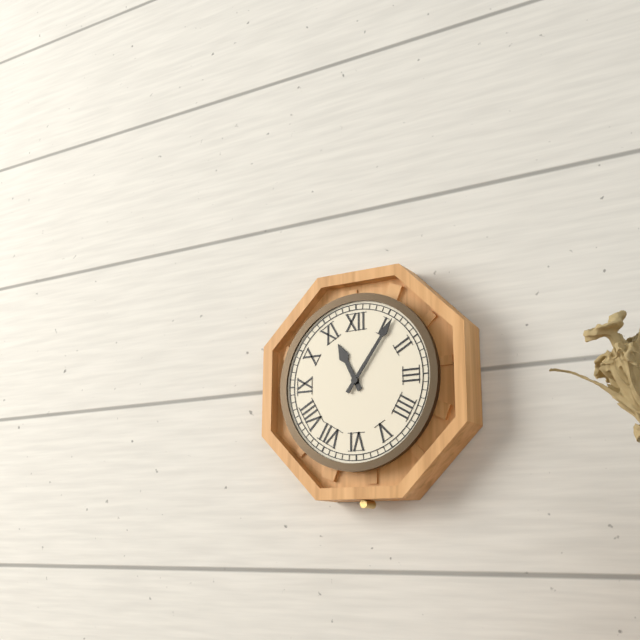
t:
11,06
